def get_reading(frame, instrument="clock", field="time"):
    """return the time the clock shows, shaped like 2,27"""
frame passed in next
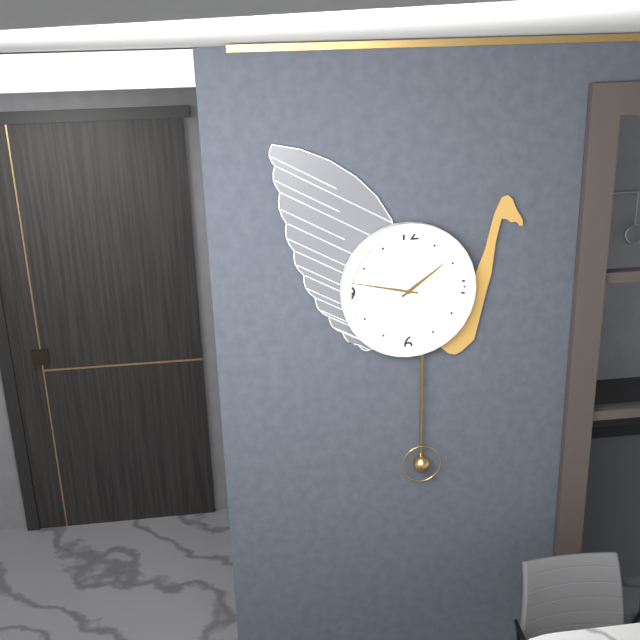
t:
1,47
